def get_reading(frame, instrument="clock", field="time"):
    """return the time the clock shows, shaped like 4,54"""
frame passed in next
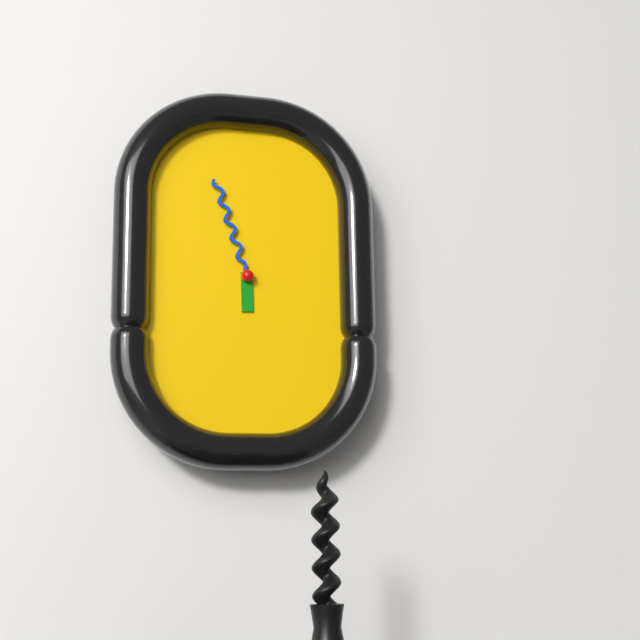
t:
5,57
